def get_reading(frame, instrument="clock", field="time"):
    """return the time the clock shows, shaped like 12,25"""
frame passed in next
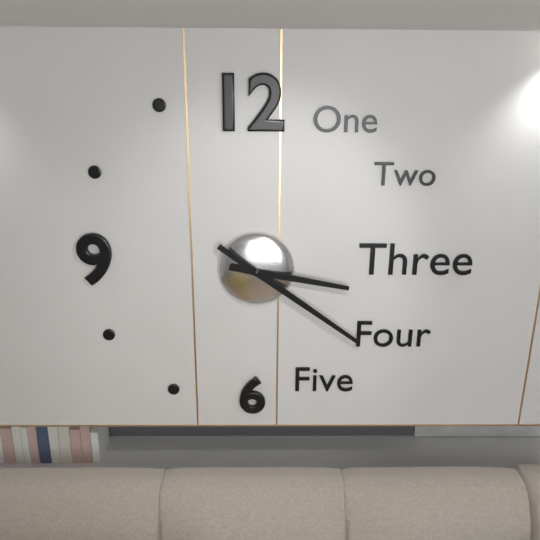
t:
3,21
